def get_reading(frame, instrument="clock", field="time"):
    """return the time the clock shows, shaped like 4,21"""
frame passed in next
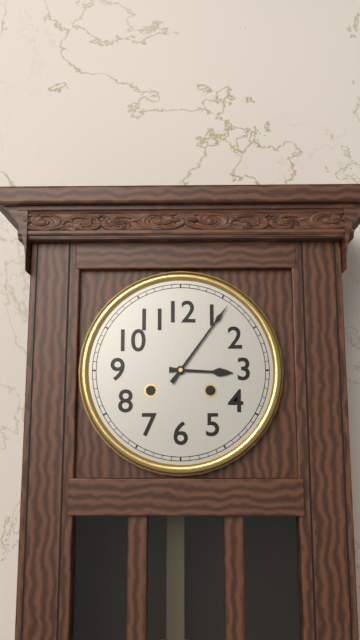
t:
3,06
